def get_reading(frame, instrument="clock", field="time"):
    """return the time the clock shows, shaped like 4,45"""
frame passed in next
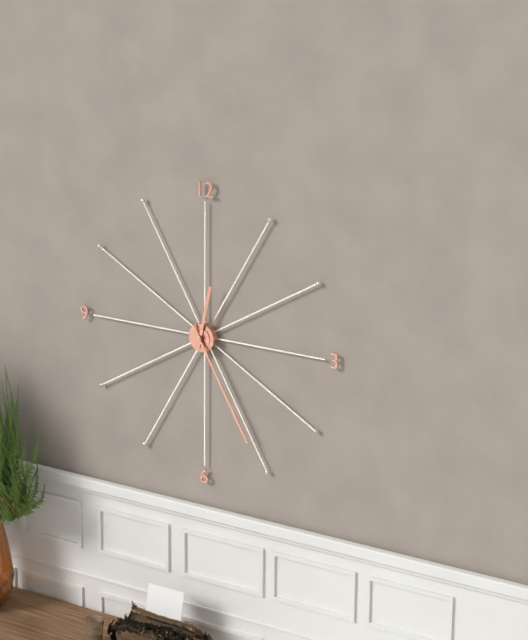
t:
12,25
